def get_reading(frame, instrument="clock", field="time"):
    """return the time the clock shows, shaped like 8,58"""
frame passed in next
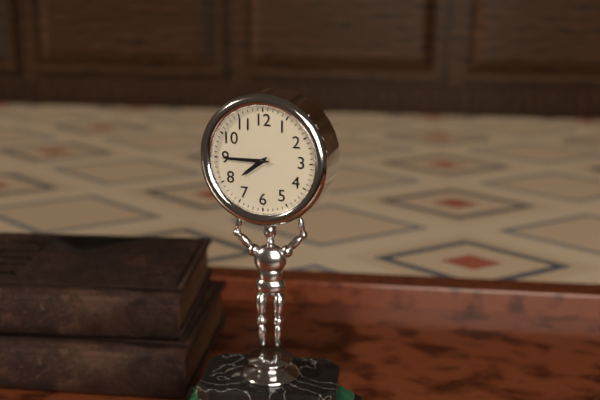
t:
7,45
